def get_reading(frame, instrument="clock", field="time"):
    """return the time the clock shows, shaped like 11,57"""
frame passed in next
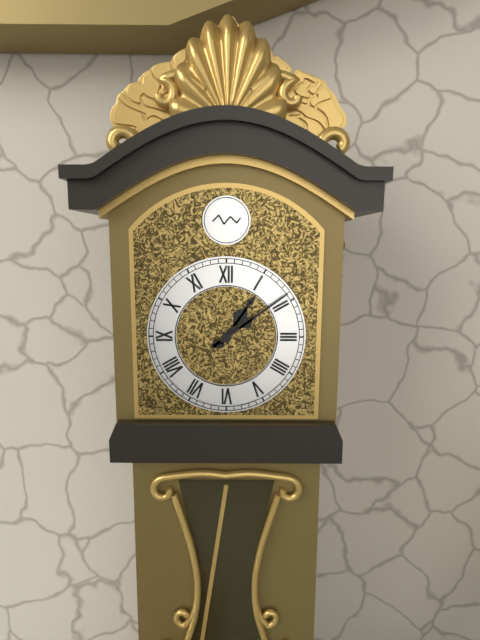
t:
1,09
